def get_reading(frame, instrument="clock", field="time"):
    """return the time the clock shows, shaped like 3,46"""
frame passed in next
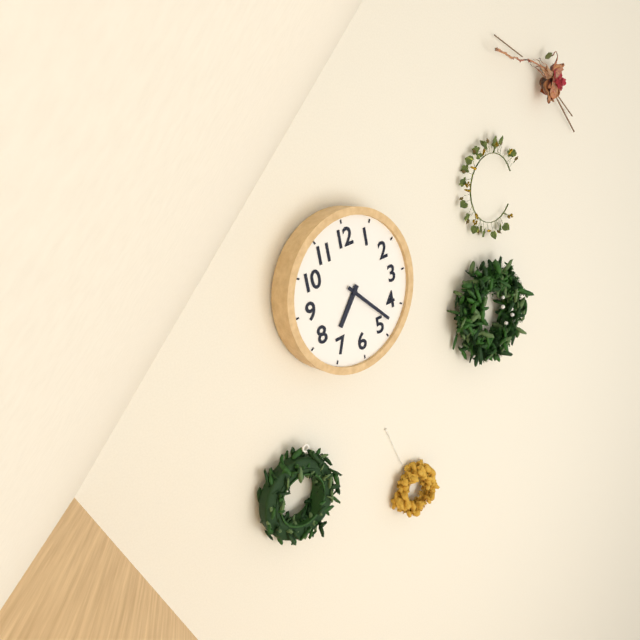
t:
7,23
